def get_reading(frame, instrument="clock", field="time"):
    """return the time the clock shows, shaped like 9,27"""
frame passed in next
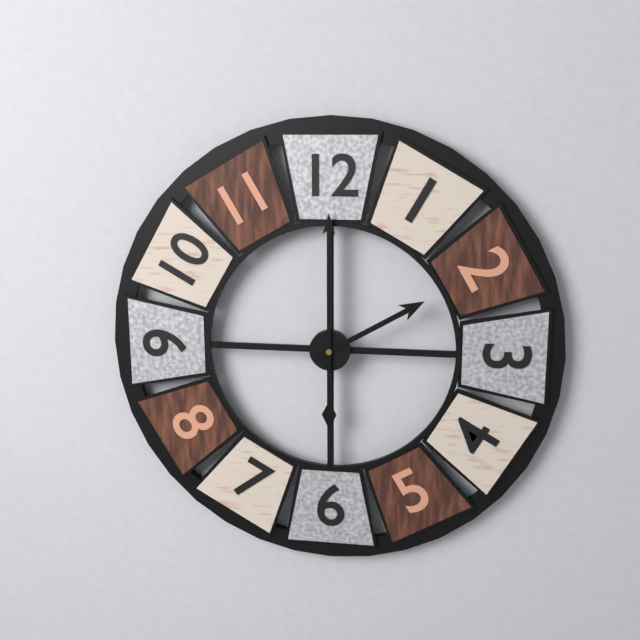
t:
2,00
